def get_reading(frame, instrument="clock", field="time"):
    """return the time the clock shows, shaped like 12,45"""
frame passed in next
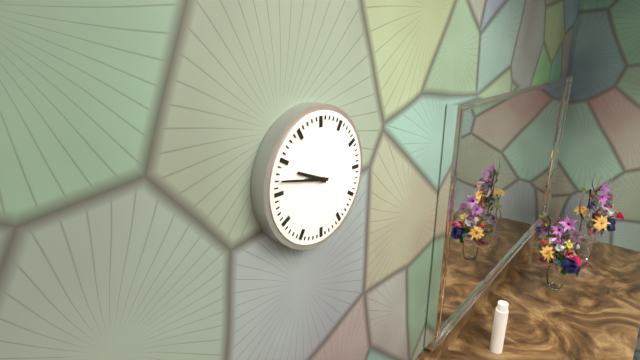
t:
9,47
